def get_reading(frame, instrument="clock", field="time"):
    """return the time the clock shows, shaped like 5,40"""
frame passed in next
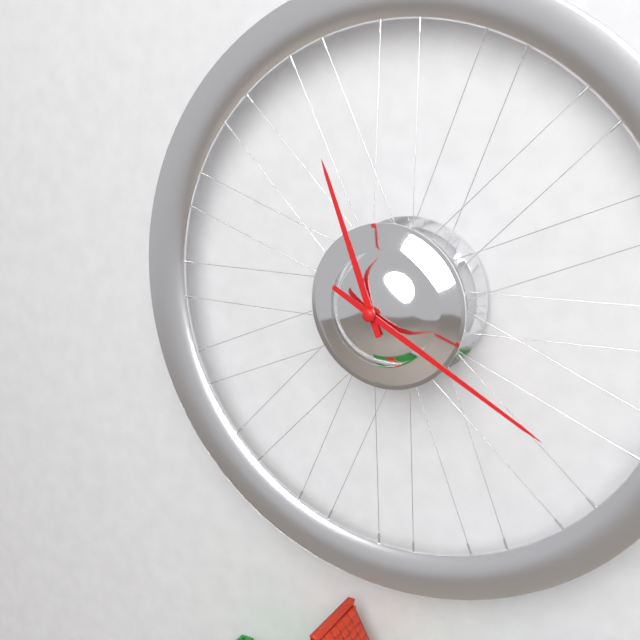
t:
11,20
